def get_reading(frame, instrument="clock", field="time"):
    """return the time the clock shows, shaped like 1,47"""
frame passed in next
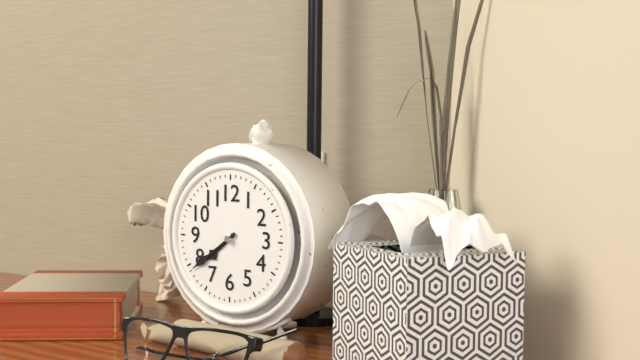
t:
7,39
